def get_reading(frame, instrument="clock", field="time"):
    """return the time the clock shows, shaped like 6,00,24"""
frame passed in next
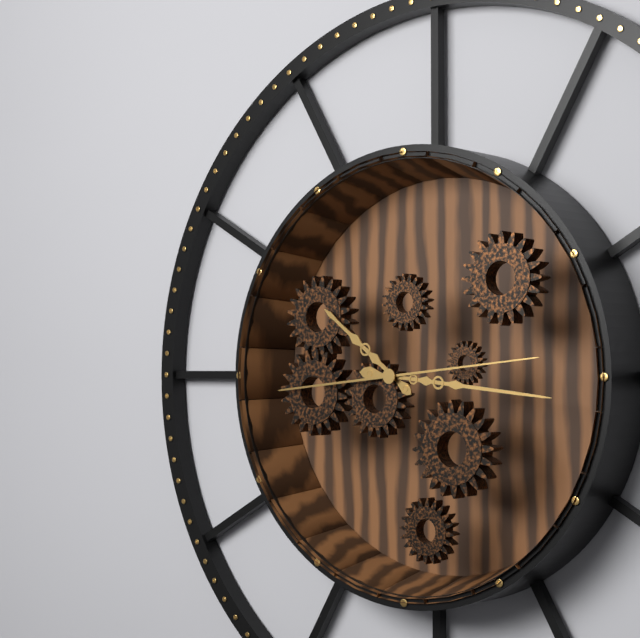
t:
10,16,14
